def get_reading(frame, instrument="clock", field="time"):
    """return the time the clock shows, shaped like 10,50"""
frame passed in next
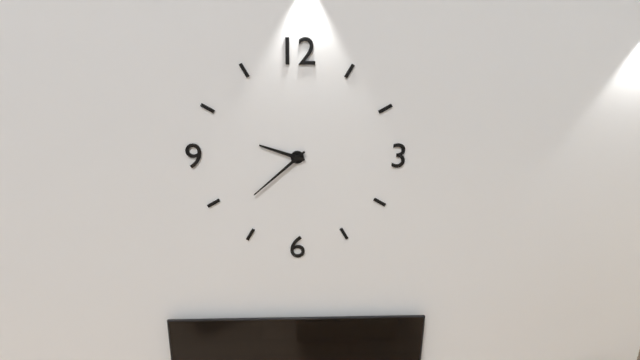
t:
9,38
